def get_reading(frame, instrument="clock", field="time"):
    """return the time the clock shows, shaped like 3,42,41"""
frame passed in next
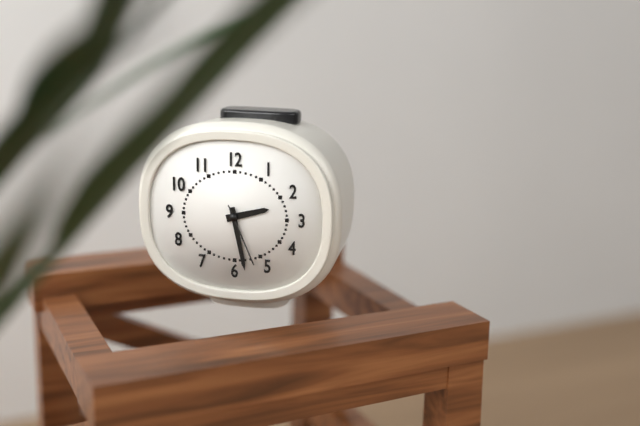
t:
2,28,26
